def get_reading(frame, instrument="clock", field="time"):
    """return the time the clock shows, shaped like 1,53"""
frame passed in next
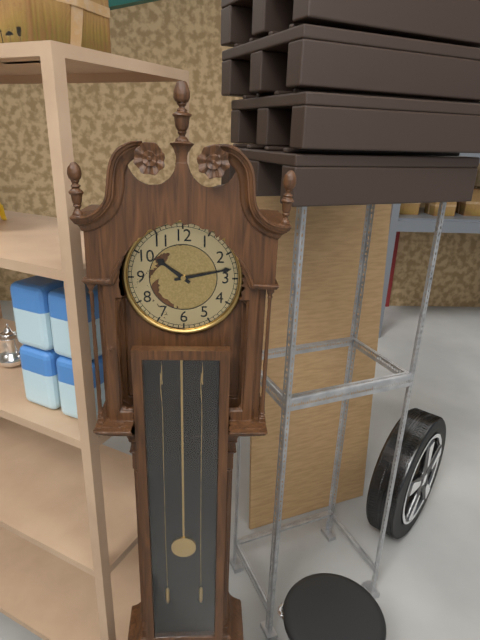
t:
10,13
